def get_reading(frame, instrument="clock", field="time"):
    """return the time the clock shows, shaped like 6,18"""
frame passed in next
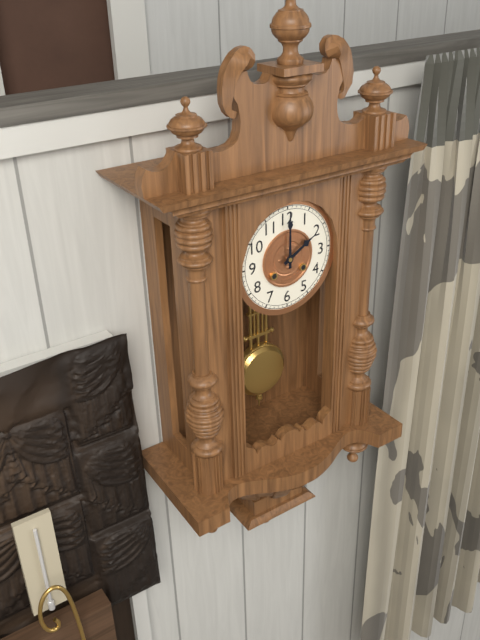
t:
2,00
